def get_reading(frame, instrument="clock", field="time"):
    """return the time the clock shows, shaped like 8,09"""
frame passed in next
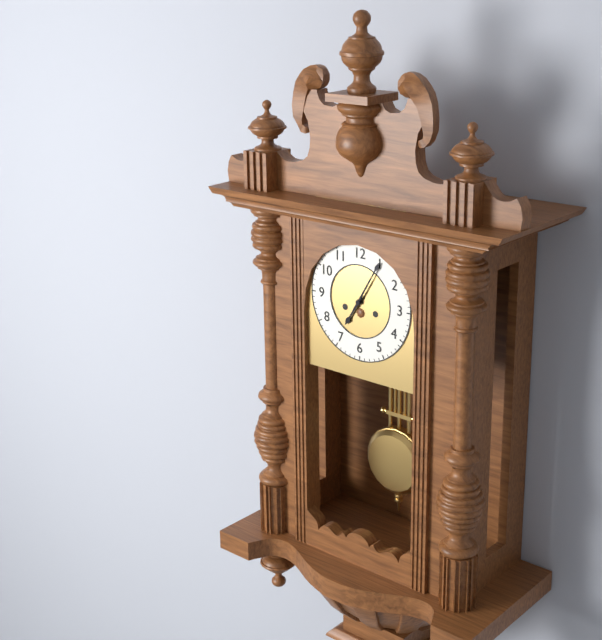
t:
7,05
